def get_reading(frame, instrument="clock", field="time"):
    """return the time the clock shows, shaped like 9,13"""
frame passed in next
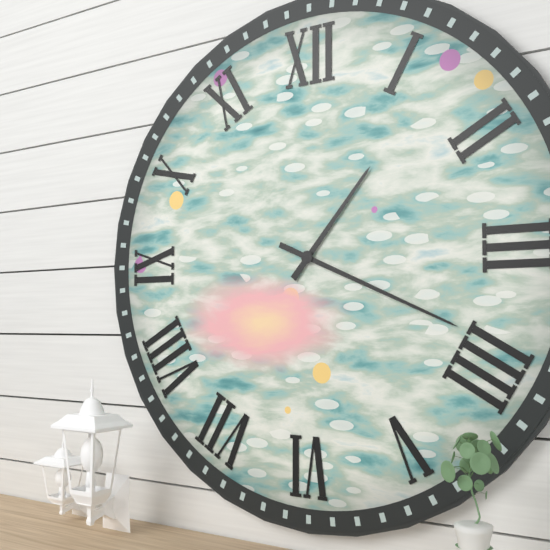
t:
1,19
